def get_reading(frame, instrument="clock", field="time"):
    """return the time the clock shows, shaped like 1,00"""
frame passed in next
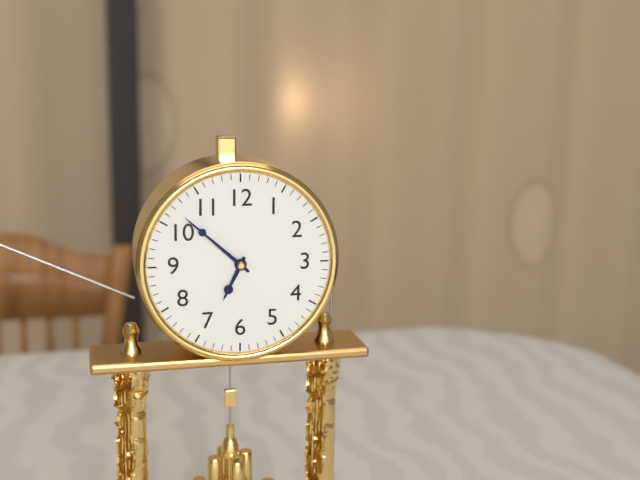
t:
6,52
